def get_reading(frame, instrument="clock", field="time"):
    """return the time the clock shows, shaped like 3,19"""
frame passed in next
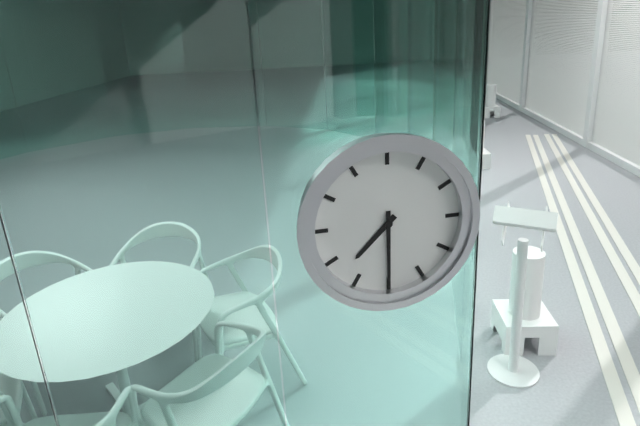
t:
7,30
